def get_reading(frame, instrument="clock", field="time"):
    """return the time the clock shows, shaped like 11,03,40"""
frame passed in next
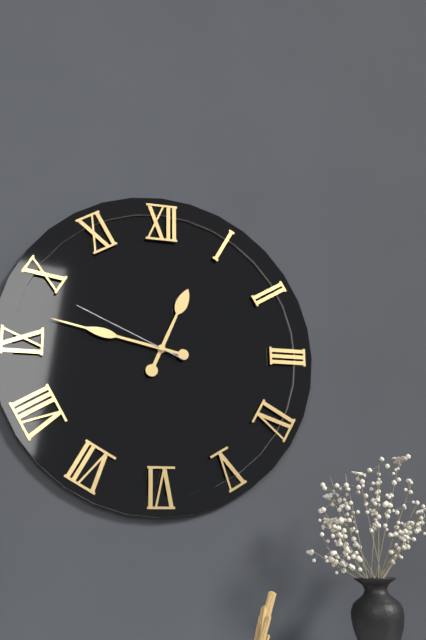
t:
12,47,49
